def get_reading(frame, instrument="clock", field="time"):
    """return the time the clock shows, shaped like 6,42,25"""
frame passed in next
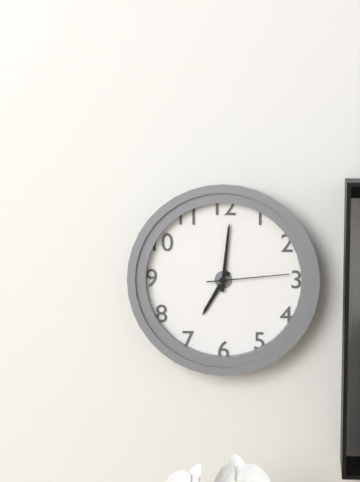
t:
7,01,14
